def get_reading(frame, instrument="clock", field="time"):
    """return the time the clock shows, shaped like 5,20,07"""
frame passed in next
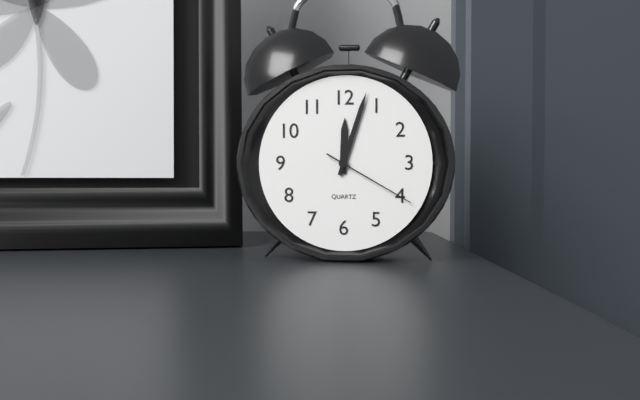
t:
12,03,20
